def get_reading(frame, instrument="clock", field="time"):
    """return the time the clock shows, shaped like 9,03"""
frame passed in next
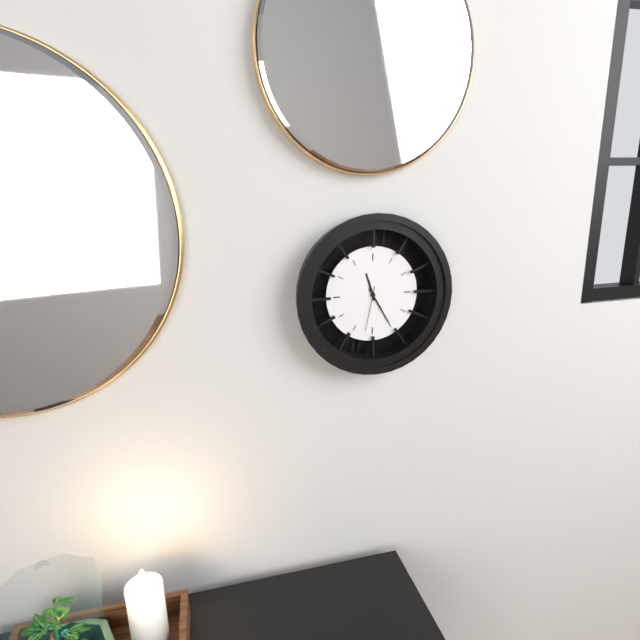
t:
11,25
